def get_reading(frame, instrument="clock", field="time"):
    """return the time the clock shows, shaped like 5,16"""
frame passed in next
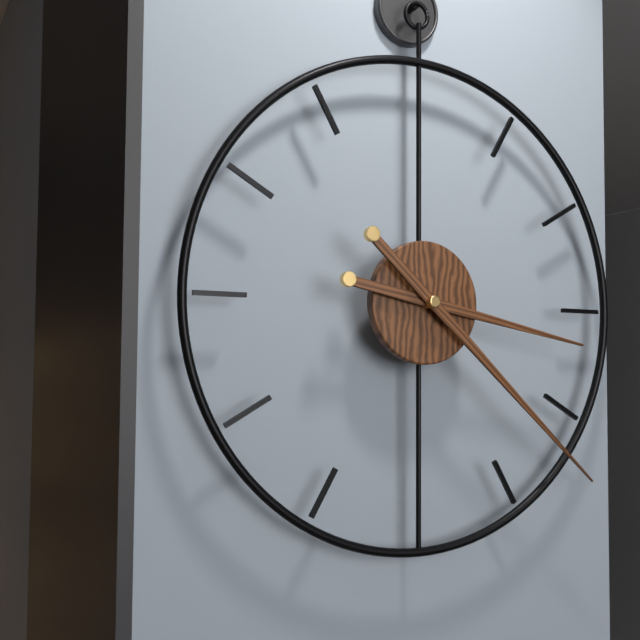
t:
3,22
